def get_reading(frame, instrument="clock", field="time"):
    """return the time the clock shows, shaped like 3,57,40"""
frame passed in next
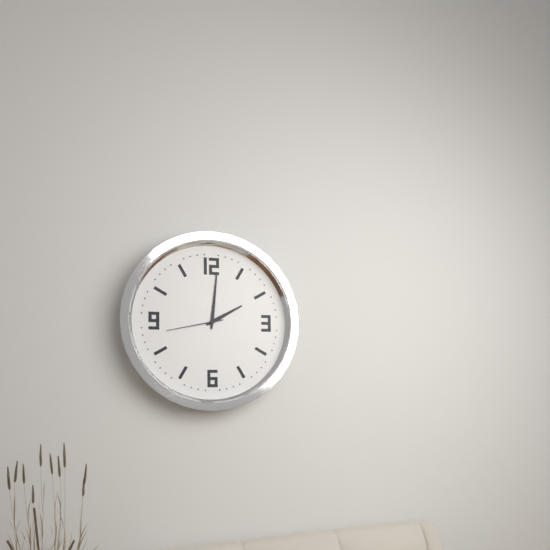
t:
2,01,43
